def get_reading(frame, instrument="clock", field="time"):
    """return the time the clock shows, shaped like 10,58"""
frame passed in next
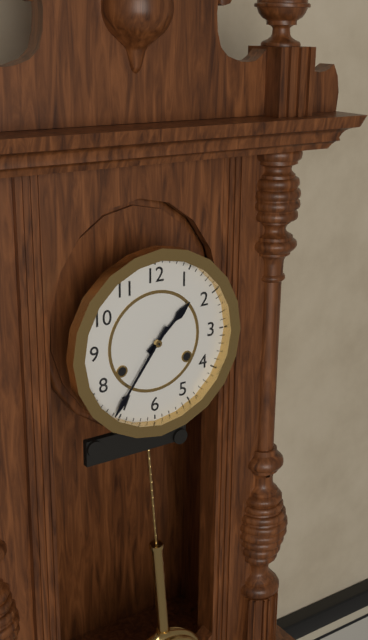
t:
1,36
